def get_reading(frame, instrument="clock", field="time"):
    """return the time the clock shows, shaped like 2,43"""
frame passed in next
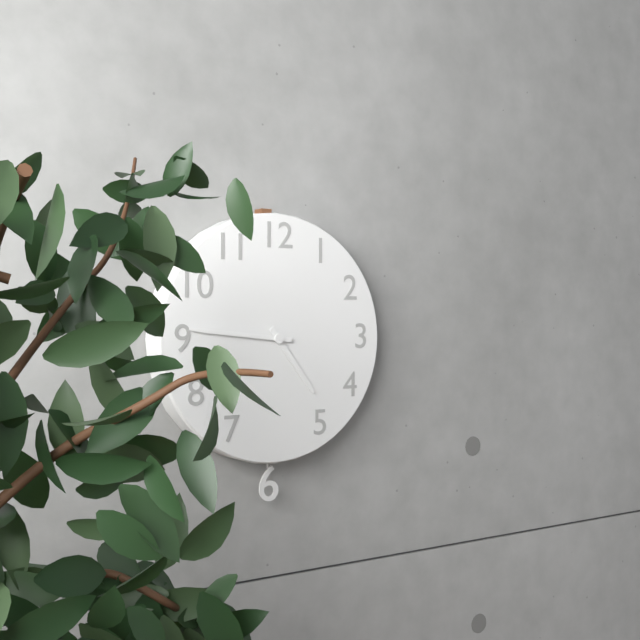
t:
4,46
